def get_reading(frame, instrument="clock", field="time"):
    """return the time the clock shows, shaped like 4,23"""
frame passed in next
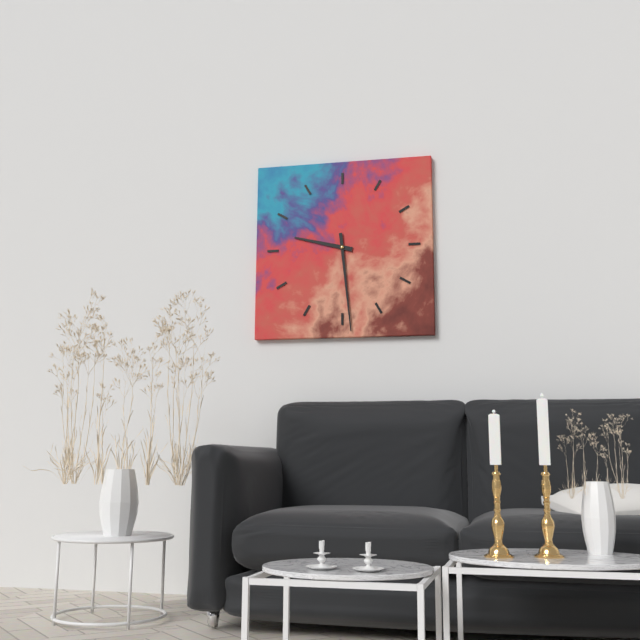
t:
9,29
